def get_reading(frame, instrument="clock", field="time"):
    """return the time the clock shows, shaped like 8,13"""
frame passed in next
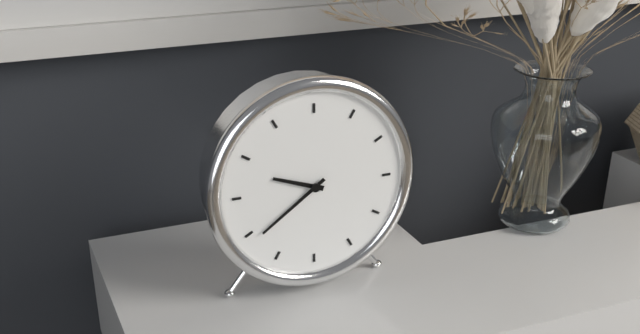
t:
9,39
